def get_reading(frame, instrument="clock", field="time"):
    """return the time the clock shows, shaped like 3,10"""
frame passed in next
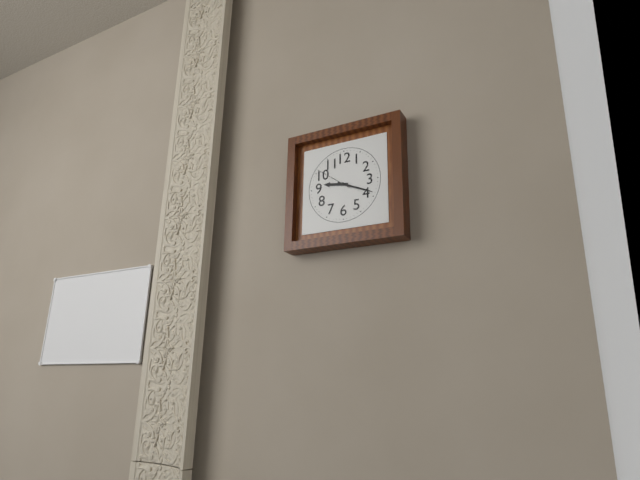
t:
9,19
